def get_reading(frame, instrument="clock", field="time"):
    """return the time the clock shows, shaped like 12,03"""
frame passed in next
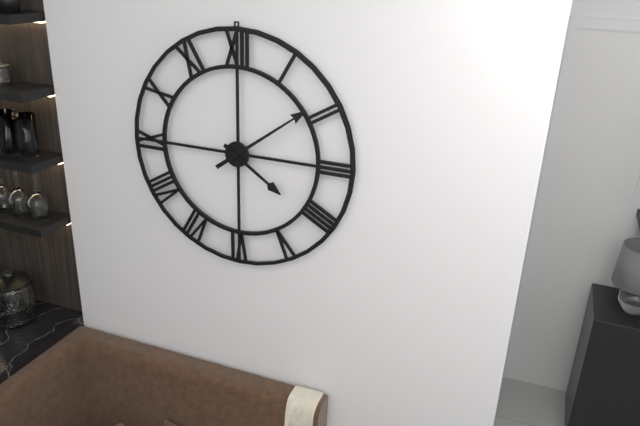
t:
4,09
